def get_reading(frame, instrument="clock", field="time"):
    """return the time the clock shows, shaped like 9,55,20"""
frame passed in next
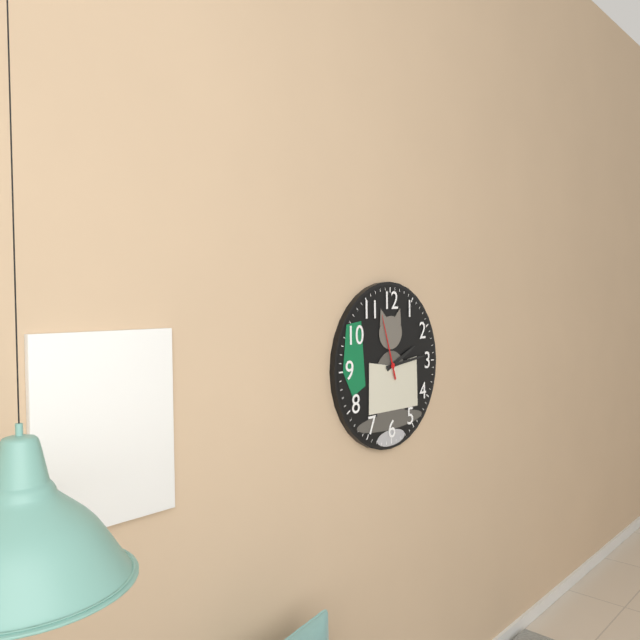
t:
2,14,57
